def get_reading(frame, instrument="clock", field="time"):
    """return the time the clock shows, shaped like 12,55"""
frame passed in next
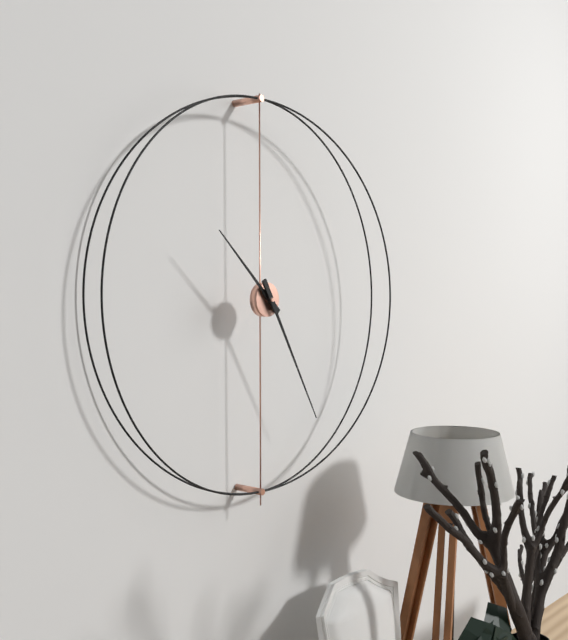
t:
10,25
